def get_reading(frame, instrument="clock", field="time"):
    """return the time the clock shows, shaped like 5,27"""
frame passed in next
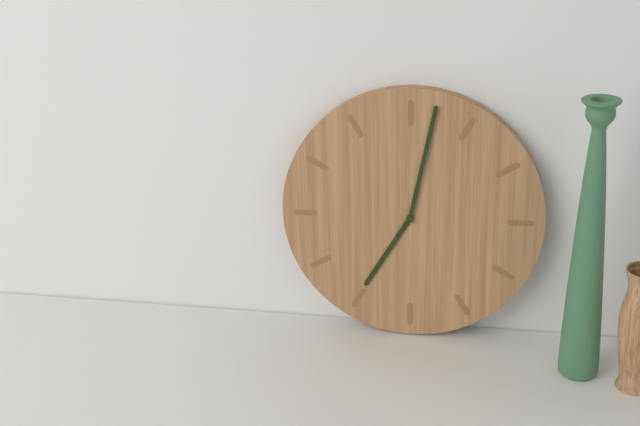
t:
7,02
